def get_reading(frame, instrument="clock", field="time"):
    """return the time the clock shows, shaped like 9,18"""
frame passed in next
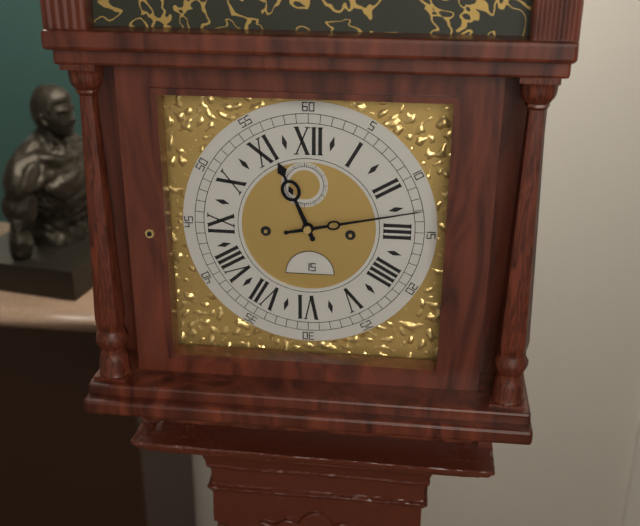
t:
11,13
